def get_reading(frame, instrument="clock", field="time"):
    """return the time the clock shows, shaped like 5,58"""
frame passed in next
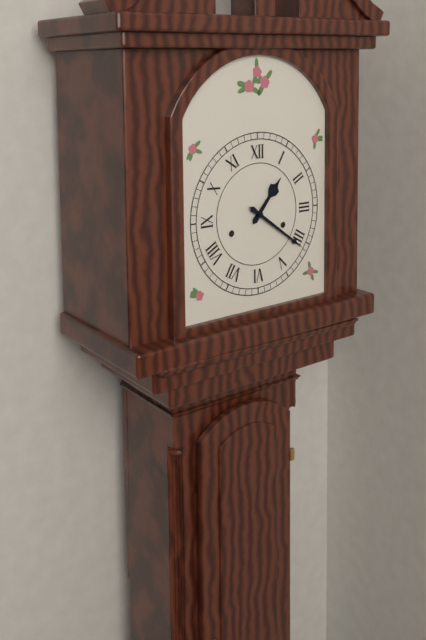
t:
1,21
